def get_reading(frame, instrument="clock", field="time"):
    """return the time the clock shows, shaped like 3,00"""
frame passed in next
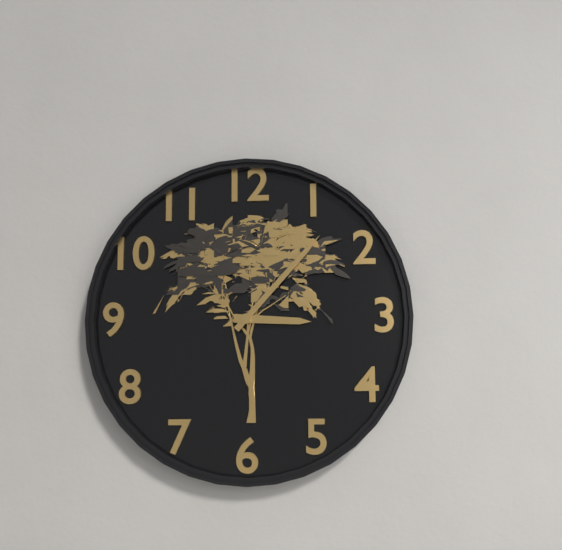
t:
3,07
